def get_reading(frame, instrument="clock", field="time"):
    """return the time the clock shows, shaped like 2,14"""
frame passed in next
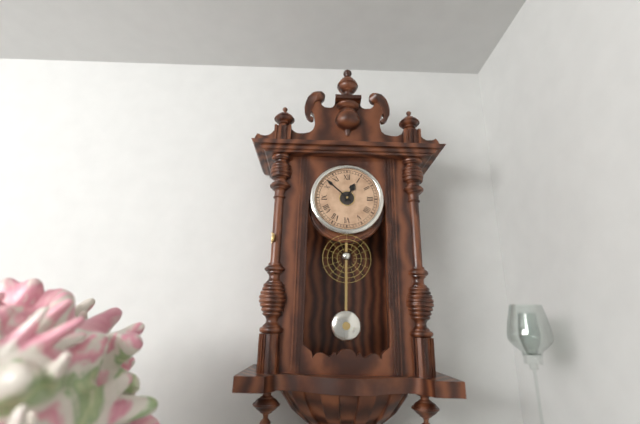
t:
12,52
